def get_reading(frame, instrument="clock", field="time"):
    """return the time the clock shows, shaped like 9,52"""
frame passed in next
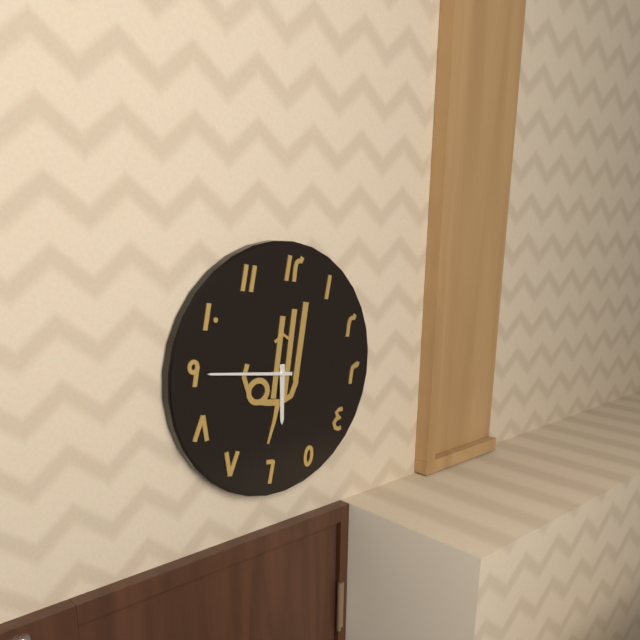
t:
5,45
